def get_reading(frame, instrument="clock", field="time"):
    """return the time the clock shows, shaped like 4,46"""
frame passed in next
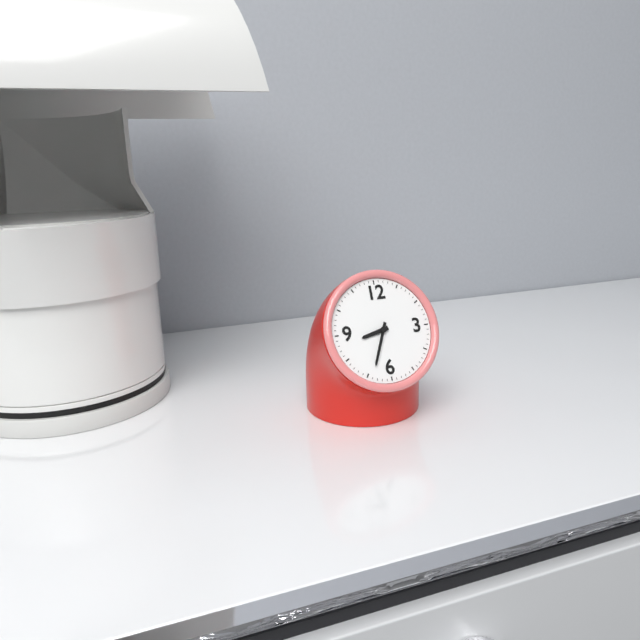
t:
8,34
